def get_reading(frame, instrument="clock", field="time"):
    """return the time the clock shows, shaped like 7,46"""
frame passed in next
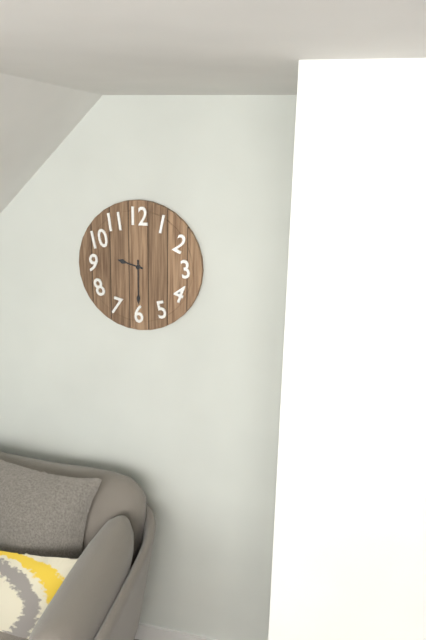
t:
9,30
